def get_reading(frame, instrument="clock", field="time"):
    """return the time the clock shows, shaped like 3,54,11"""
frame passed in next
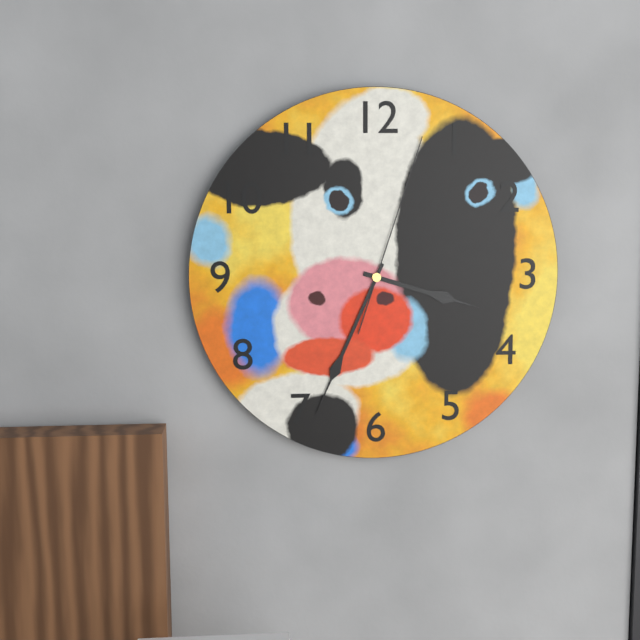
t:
3,34,03
